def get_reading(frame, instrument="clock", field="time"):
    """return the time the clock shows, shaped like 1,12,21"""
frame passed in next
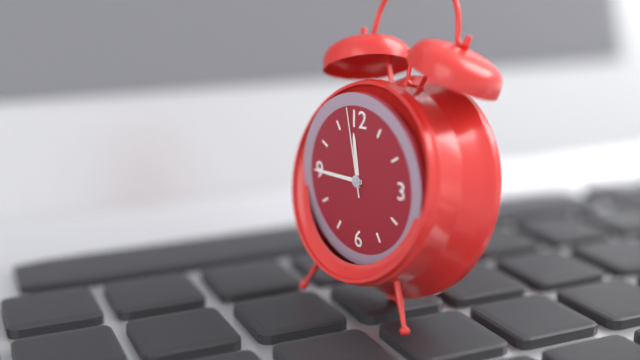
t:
11,45,58
